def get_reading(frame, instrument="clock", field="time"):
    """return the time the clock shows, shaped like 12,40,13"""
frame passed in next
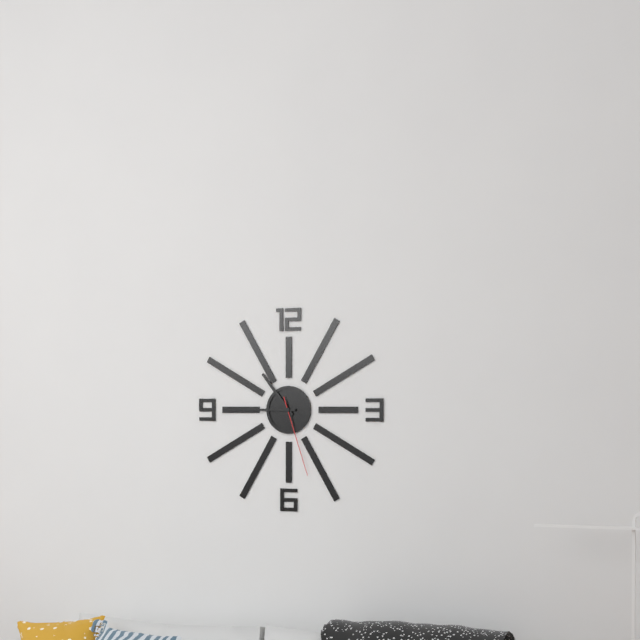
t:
10,45,27
